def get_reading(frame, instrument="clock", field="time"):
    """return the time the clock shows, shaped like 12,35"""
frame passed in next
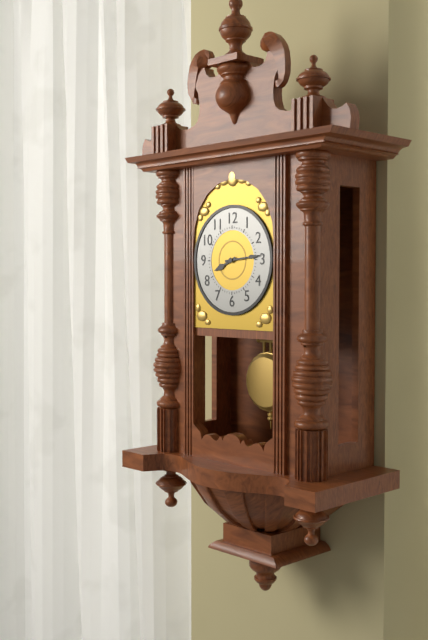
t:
8,14
